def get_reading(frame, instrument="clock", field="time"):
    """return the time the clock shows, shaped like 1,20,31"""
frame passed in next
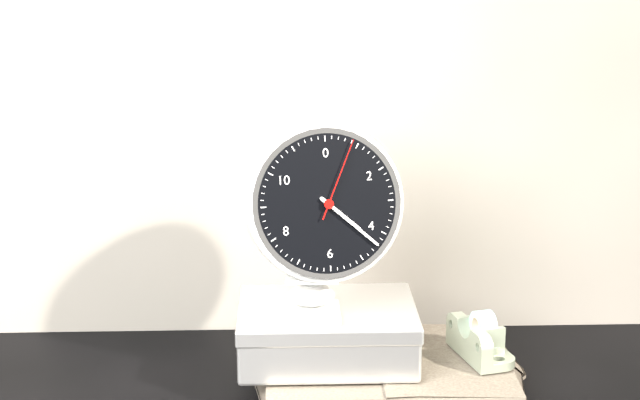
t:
4,22,04
